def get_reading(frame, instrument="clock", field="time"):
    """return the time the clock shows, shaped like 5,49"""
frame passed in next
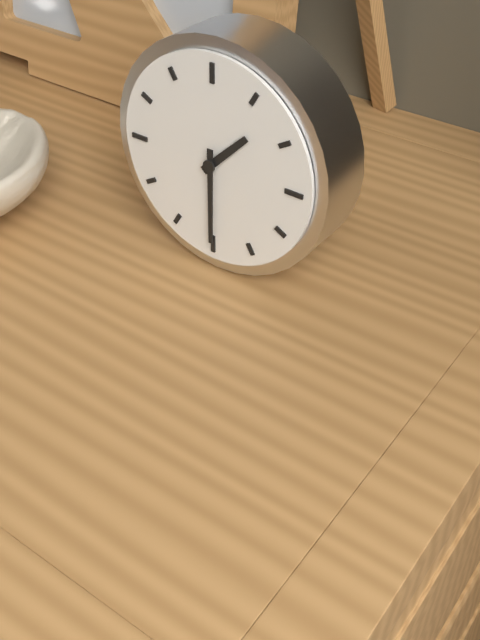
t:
1,30
